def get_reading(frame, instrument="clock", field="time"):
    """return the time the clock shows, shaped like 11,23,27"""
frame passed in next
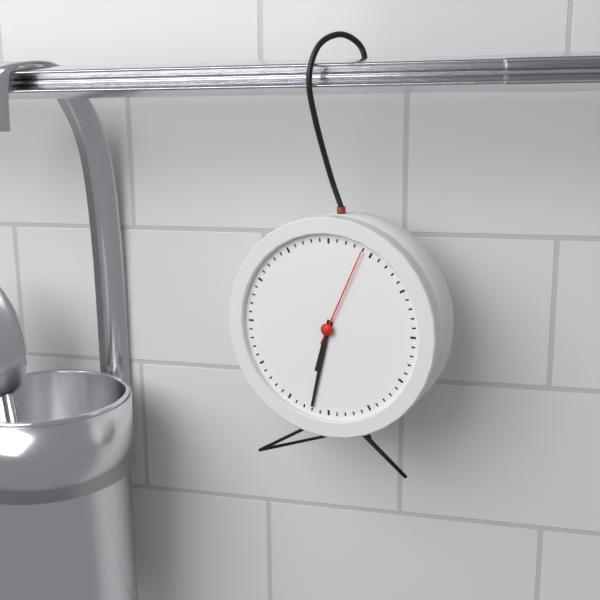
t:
6,32,04
